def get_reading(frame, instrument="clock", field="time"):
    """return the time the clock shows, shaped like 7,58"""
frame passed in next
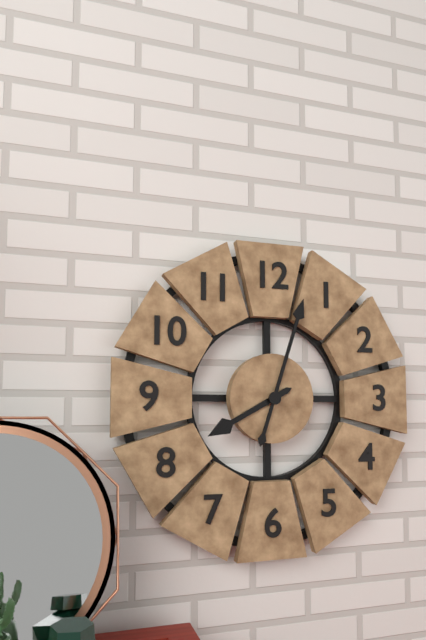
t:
8,03
